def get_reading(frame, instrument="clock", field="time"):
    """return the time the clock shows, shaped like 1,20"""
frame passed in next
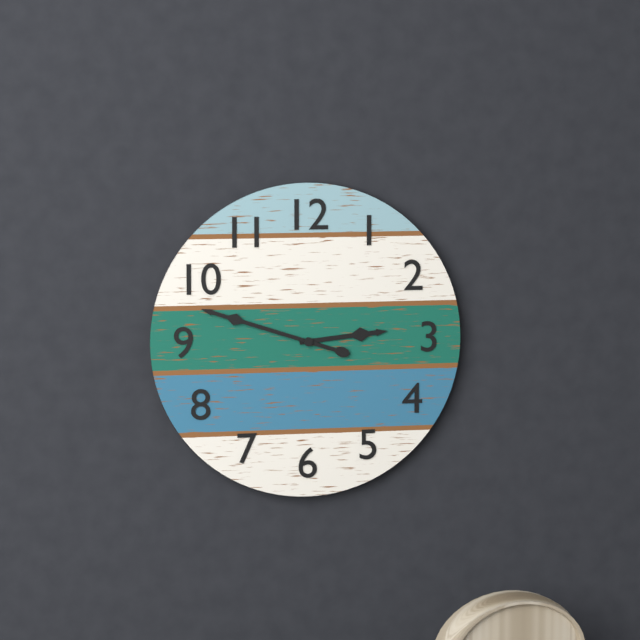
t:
2,48
